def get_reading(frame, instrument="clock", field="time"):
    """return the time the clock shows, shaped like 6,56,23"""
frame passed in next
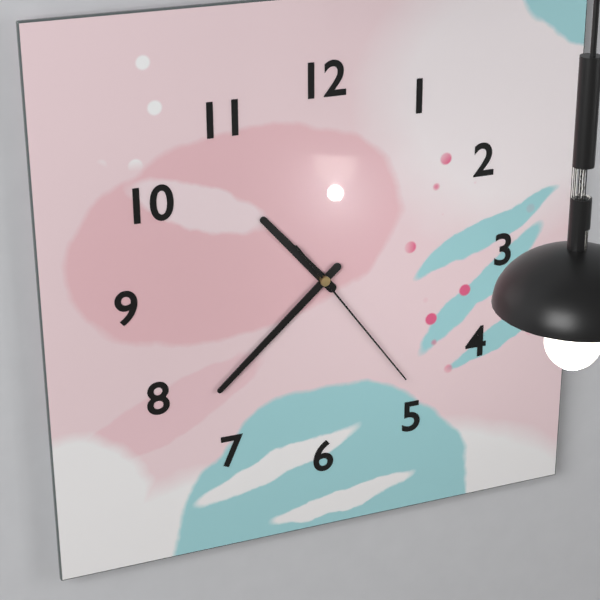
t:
10,38,24
